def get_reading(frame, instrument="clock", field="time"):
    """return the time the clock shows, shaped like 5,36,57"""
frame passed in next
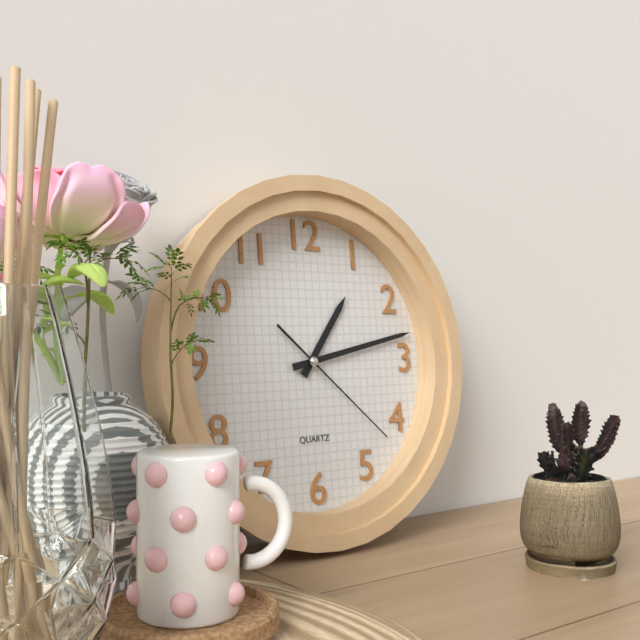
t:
1,13,22
